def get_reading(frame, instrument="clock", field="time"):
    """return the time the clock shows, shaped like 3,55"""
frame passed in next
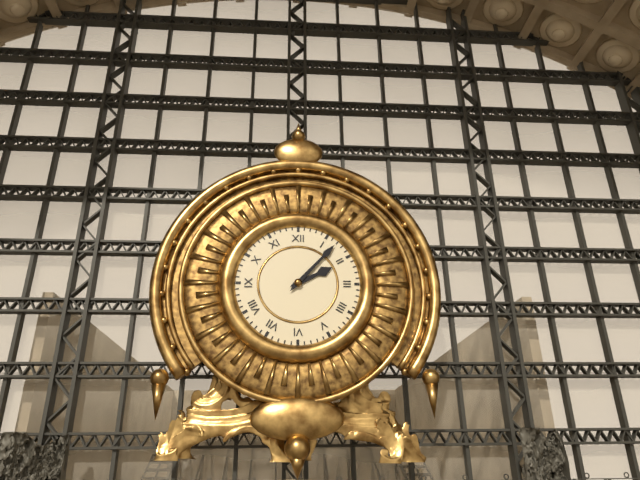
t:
2,07
